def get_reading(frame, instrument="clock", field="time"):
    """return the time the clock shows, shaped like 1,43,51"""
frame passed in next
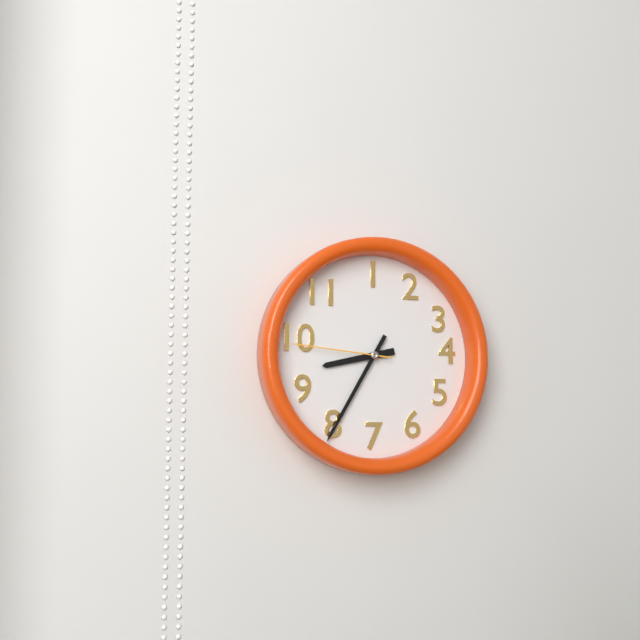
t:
8,35,46
